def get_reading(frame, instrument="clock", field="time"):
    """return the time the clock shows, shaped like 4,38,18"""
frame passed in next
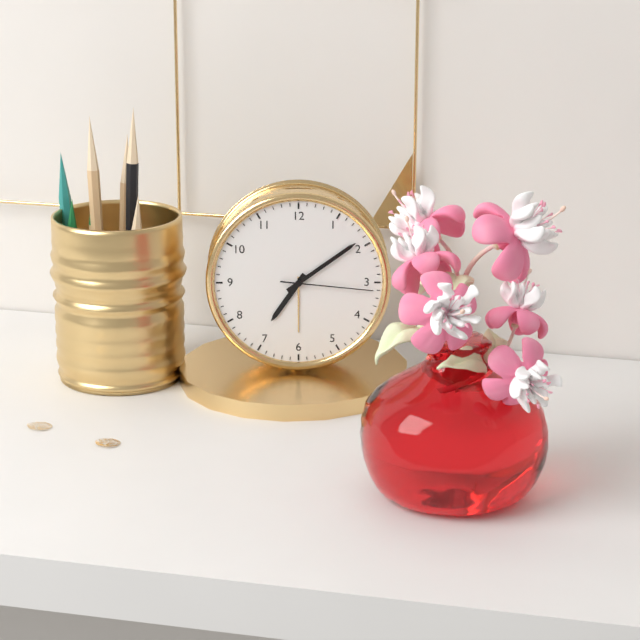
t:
7,09,16
